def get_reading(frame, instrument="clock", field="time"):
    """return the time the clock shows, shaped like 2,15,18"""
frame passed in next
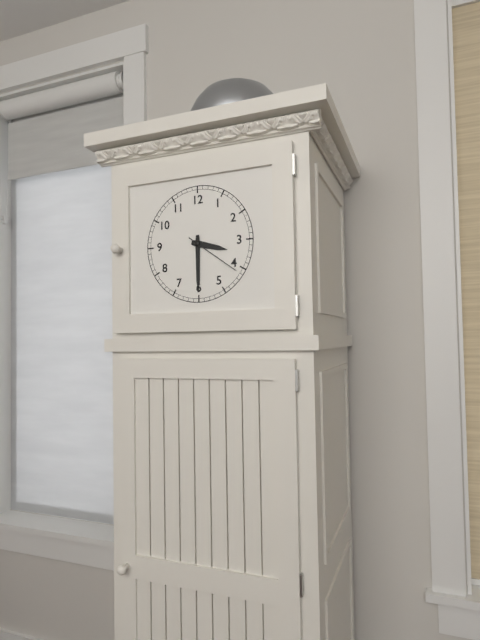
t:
3,30,21
